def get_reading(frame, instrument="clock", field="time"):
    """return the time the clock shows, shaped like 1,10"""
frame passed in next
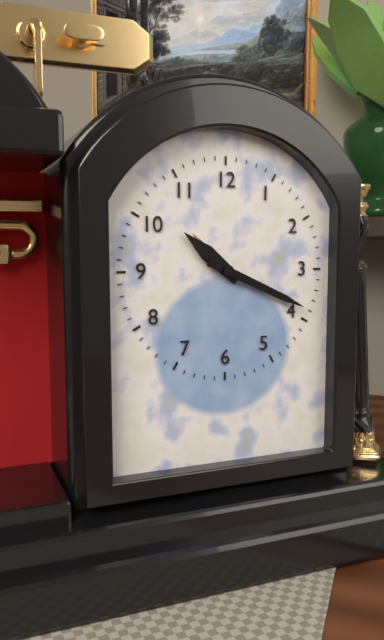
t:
10,19
